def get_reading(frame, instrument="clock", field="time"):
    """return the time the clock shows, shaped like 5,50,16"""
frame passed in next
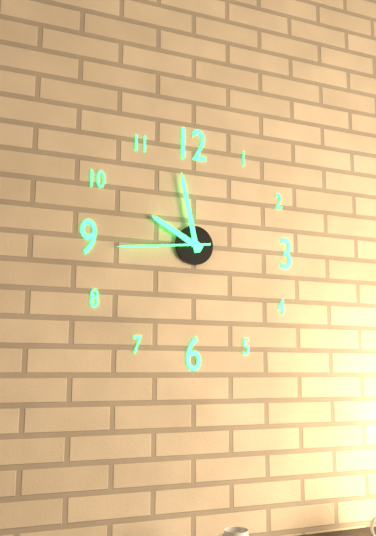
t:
9,58,44
